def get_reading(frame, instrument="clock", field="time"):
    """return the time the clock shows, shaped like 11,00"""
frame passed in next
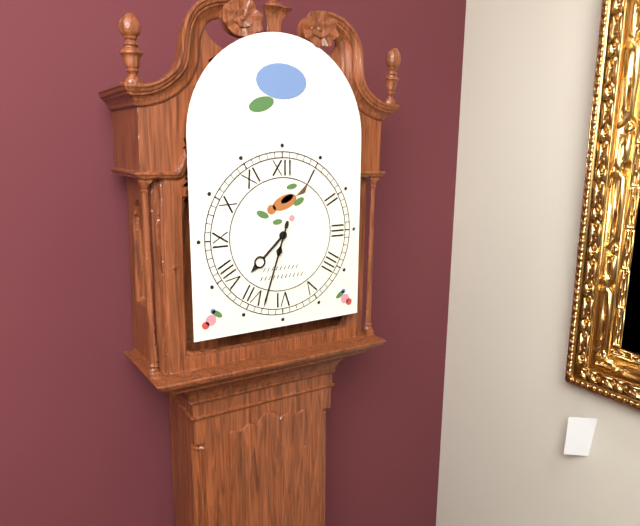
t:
7,33
